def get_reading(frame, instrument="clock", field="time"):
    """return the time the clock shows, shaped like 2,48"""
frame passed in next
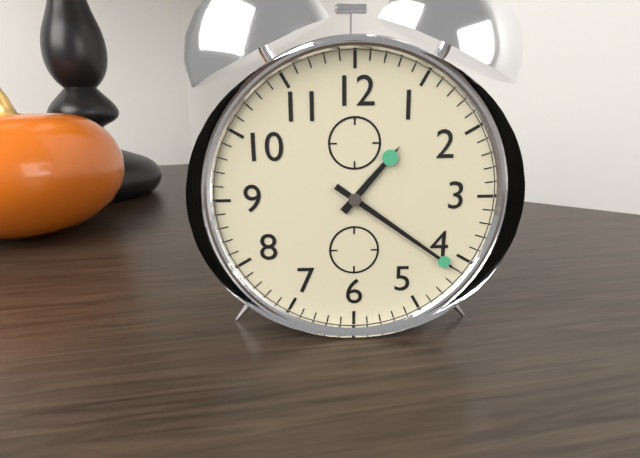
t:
1,21
